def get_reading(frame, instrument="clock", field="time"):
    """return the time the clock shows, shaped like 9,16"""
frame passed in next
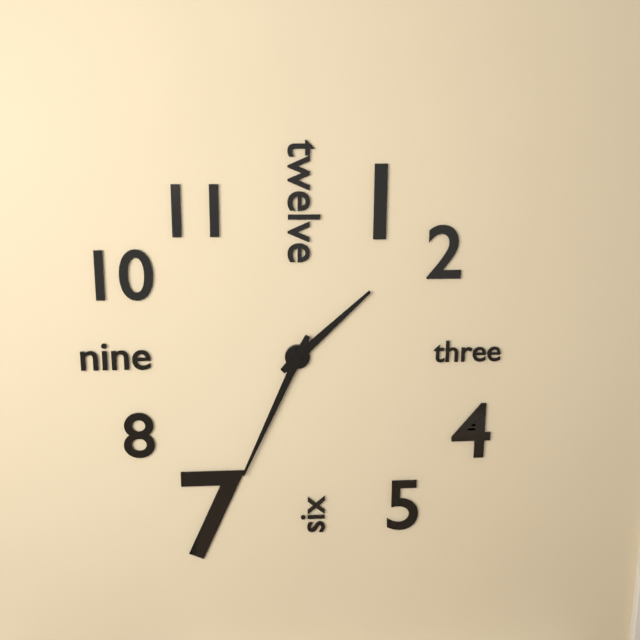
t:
1,34
